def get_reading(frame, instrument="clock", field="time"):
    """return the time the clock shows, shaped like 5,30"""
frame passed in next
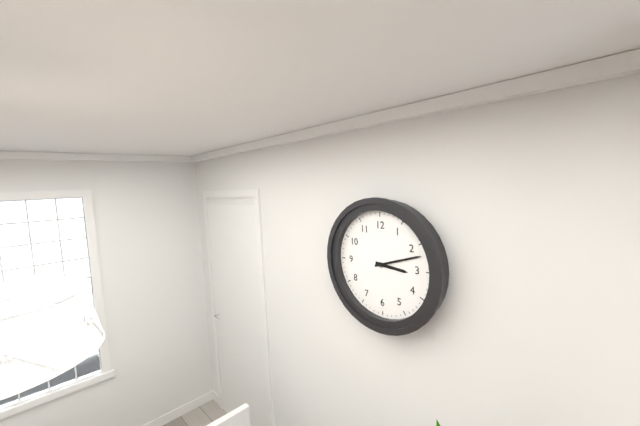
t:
3,12
